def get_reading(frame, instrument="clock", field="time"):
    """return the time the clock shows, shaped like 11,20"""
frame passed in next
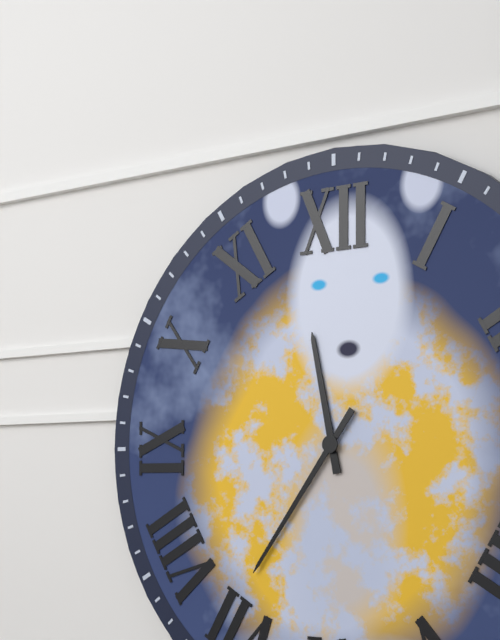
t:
11,36
